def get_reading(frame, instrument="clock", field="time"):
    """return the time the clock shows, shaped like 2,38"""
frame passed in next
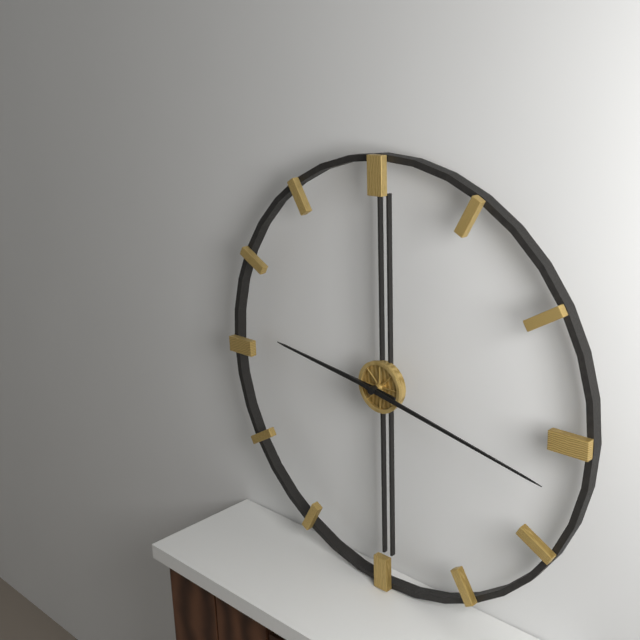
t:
9,17
